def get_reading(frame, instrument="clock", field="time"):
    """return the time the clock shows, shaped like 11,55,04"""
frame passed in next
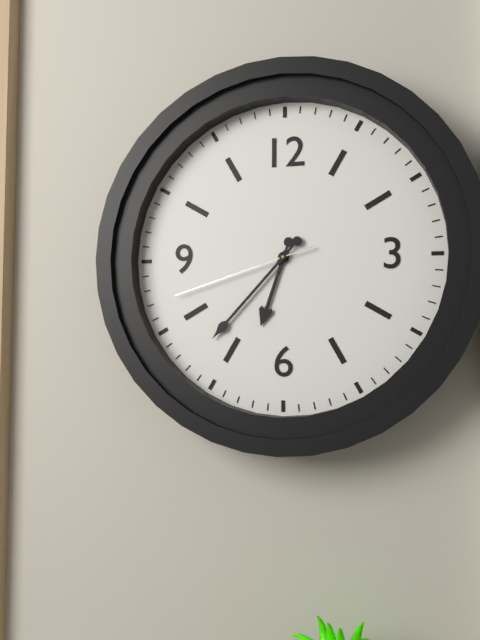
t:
6,37,42
